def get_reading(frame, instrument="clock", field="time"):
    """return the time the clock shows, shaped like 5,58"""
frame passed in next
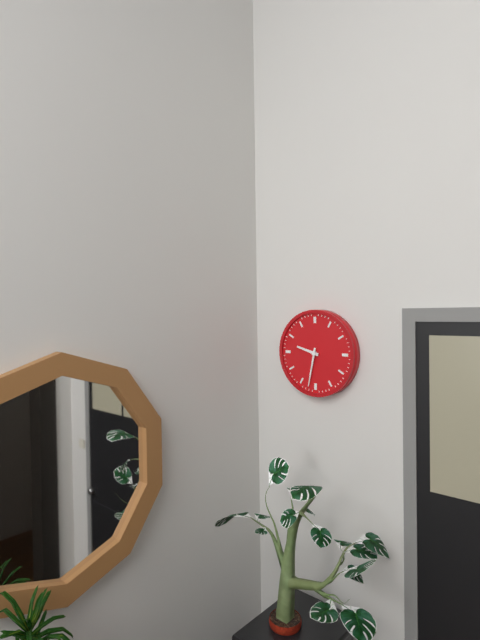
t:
9,32
